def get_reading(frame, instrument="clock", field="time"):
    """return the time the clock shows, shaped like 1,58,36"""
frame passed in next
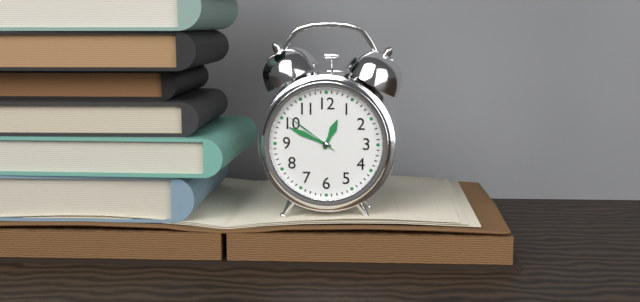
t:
12,49,51
